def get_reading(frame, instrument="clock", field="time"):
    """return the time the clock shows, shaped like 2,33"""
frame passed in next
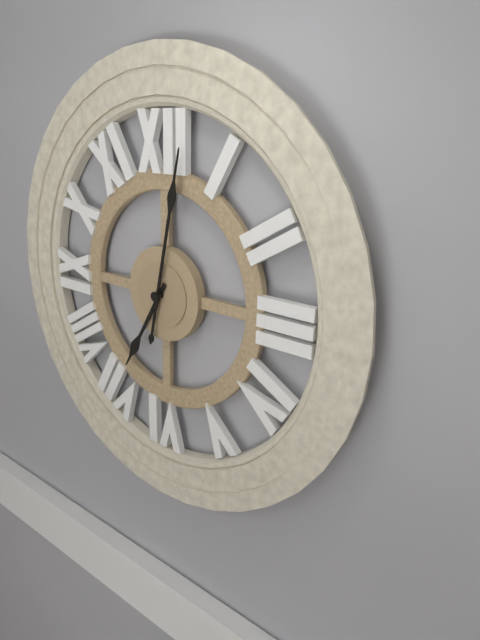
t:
7,02
